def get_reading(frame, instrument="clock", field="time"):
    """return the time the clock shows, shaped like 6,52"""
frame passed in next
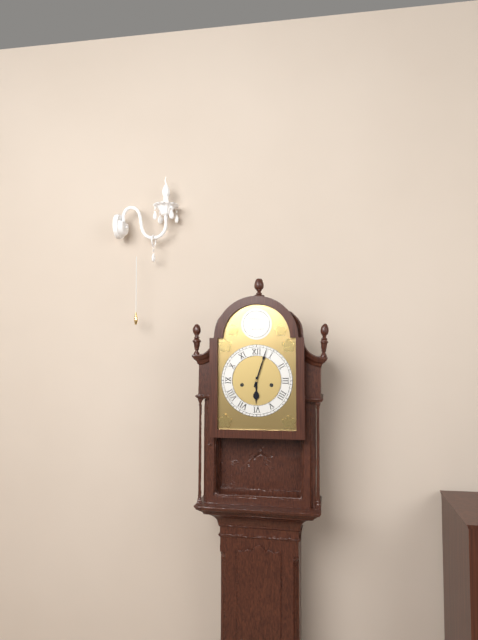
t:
6,03
